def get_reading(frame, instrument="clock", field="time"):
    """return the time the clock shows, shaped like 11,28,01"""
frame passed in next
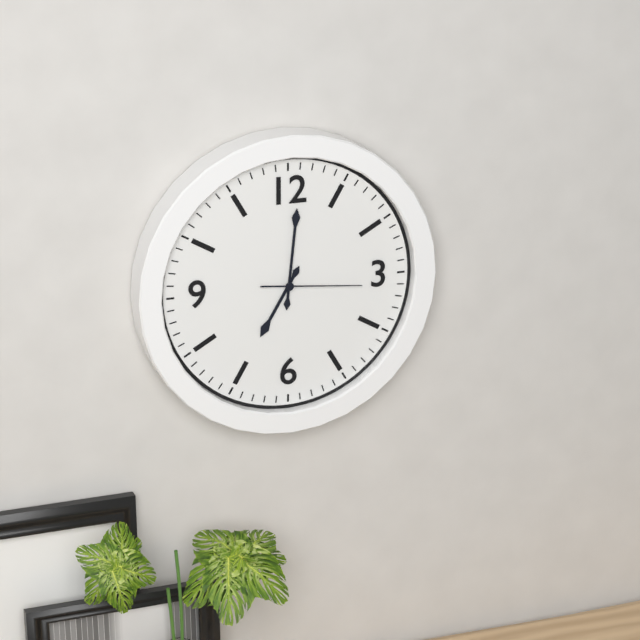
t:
7,01,16
